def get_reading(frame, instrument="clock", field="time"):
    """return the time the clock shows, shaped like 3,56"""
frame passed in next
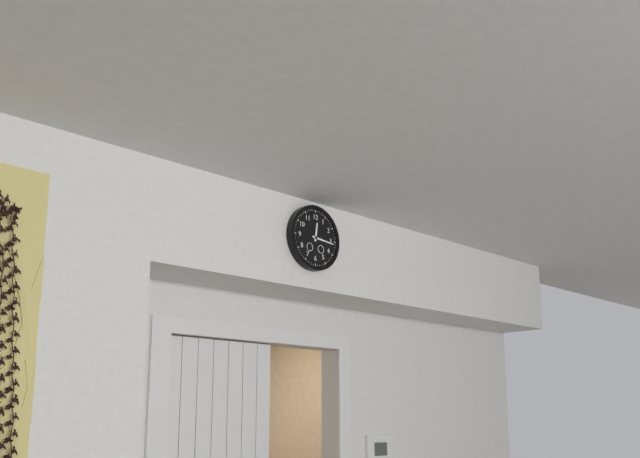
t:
12,16
